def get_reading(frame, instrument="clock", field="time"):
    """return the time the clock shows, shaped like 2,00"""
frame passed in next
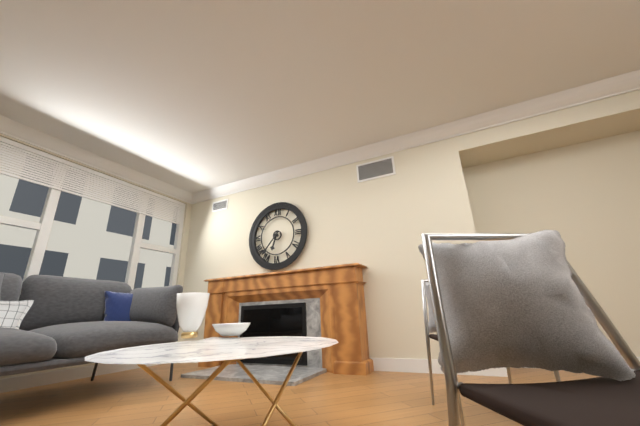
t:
6,37
